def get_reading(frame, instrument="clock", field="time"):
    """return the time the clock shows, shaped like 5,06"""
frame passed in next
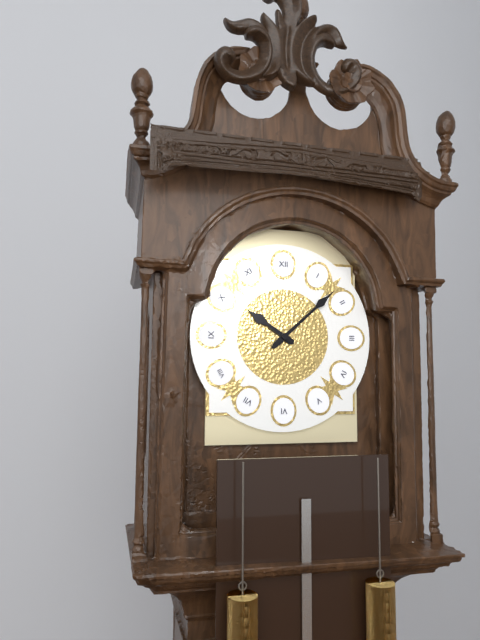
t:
10,08
